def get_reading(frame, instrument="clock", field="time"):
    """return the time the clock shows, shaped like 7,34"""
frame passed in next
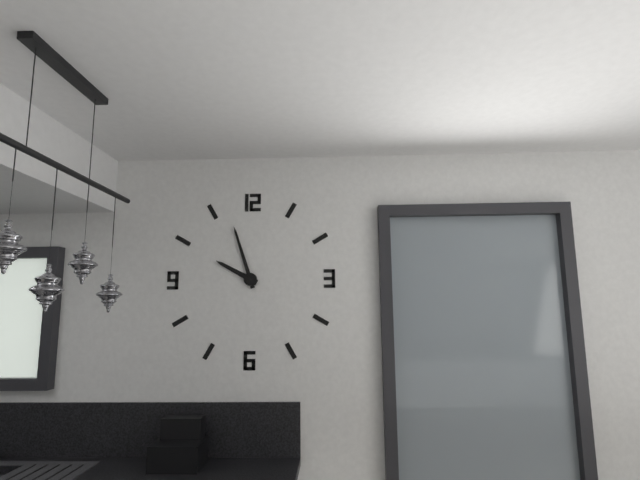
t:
9,57
